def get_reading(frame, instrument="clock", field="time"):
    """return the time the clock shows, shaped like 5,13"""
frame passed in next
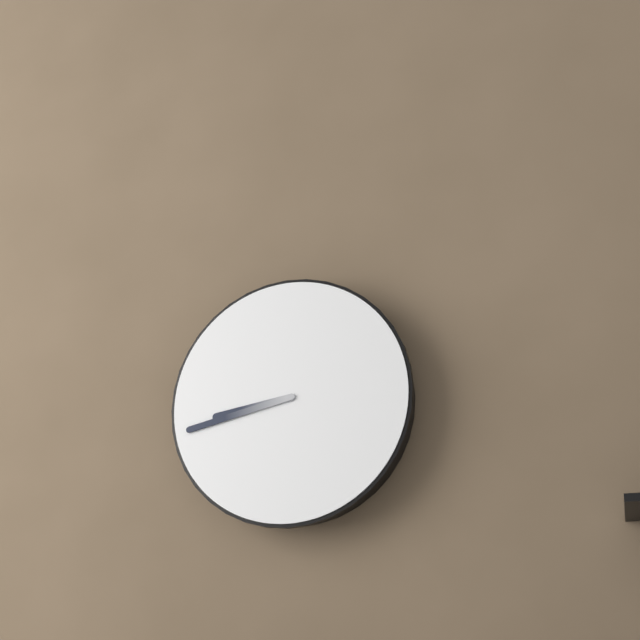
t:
8,43
